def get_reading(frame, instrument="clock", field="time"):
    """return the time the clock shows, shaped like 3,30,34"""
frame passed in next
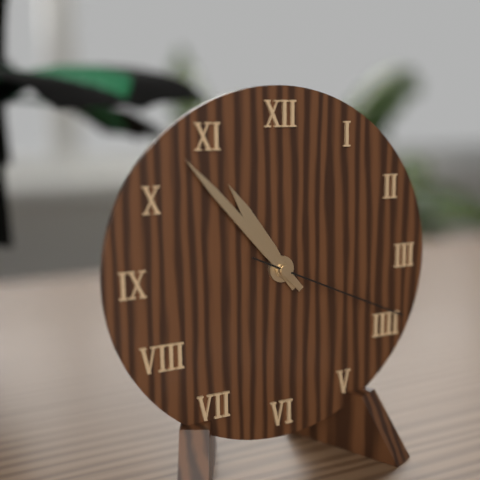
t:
10,53,19
